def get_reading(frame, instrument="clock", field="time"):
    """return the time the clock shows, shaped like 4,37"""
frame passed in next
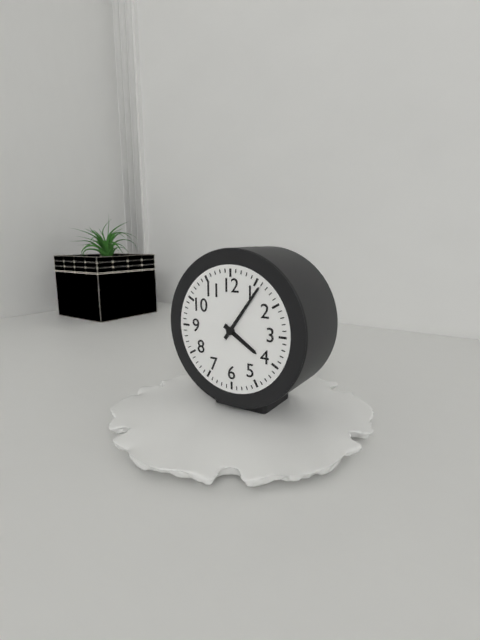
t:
4,06
